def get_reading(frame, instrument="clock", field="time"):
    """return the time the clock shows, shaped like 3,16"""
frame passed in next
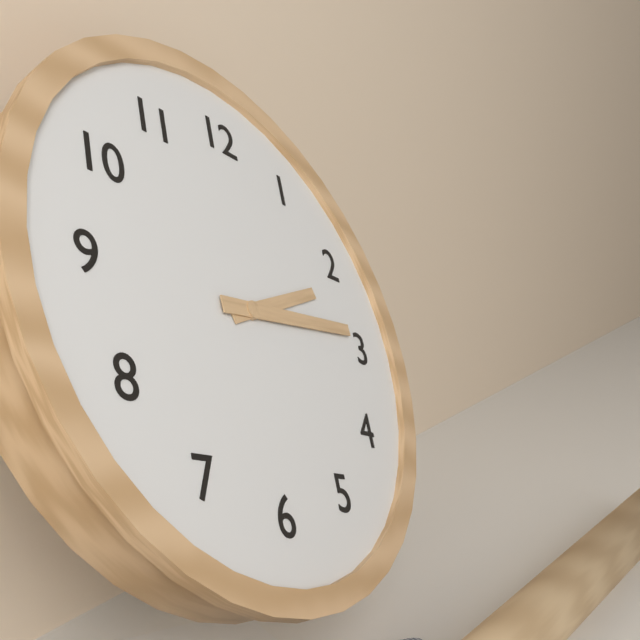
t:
2,14
